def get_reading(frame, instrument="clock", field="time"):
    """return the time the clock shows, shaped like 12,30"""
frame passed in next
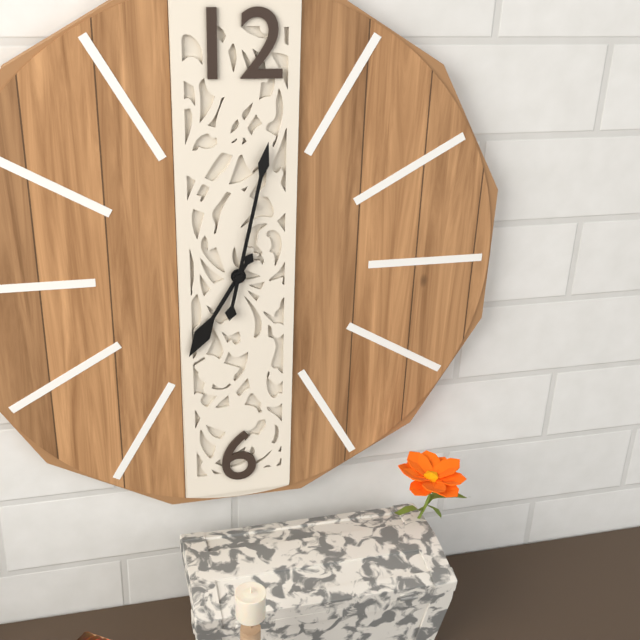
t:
7,02
